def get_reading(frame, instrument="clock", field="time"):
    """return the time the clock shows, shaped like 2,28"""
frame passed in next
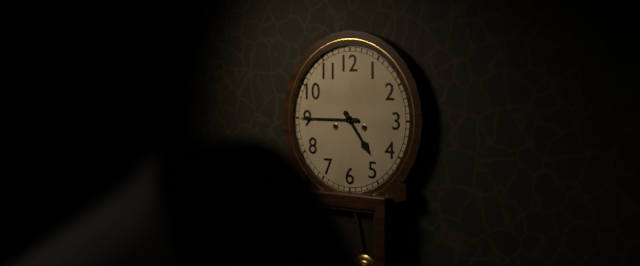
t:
4,45
